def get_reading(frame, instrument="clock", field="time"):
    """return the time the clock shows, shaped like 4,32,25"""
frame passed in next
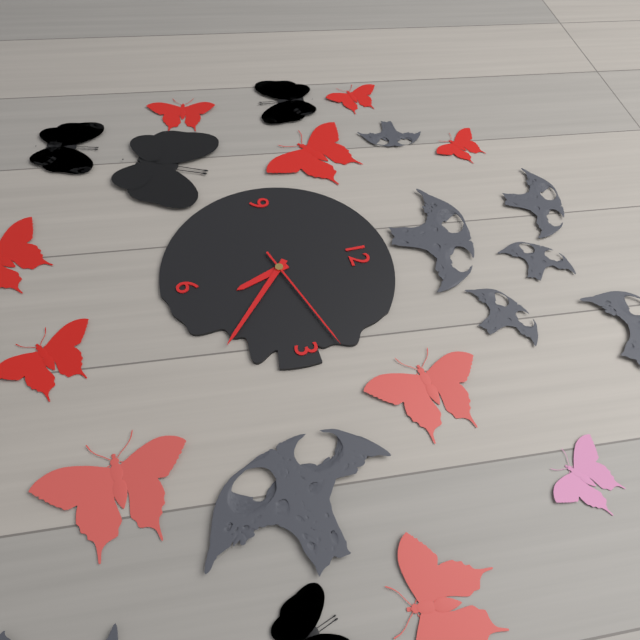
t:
5,22,12
